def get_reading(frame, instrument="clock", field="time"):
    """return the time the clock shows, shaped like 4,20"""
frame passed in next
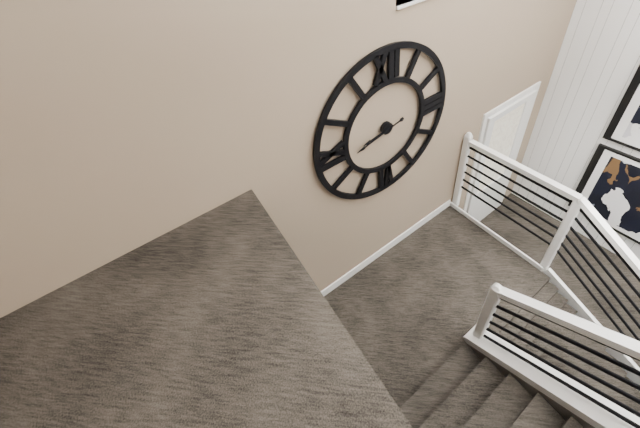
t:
8,43
